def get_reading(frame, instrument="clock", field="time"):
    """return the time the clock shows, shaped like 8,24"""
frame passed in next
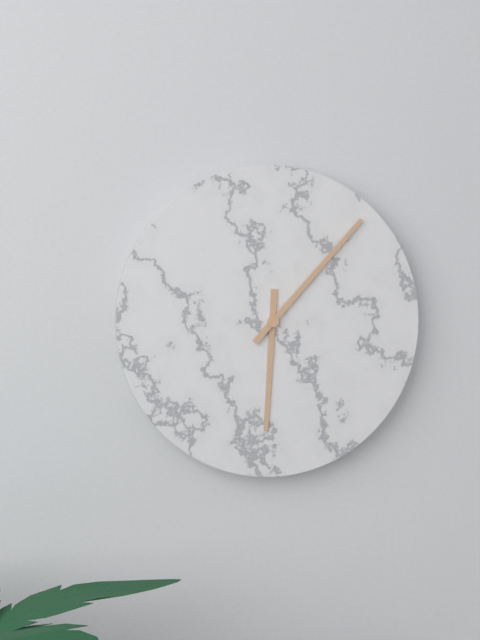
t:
6,07
